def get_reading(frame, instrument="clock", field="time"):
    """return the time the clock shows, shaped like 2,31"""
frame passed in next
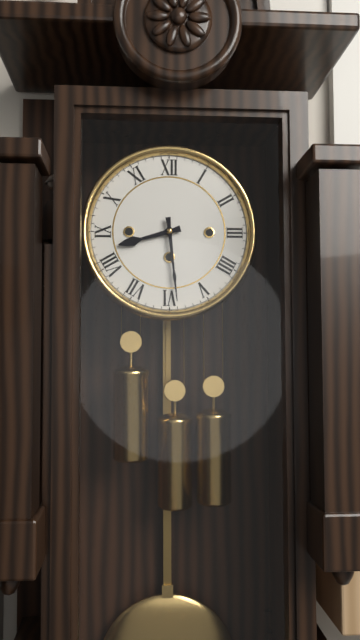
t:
8,29
